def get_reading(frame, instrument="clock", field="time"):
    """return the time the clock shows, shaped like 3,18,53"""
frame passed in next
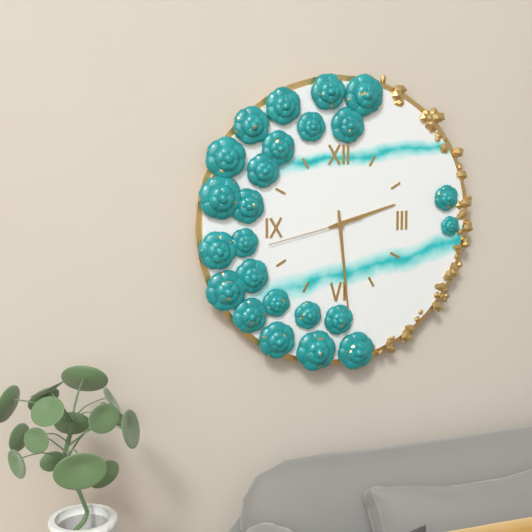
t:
2,29,43
